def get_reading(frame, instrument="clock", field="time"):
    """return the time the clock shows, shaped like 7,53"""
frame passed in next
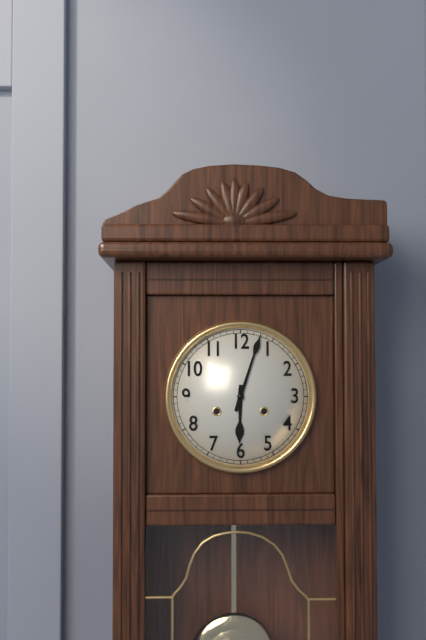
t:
6,03
